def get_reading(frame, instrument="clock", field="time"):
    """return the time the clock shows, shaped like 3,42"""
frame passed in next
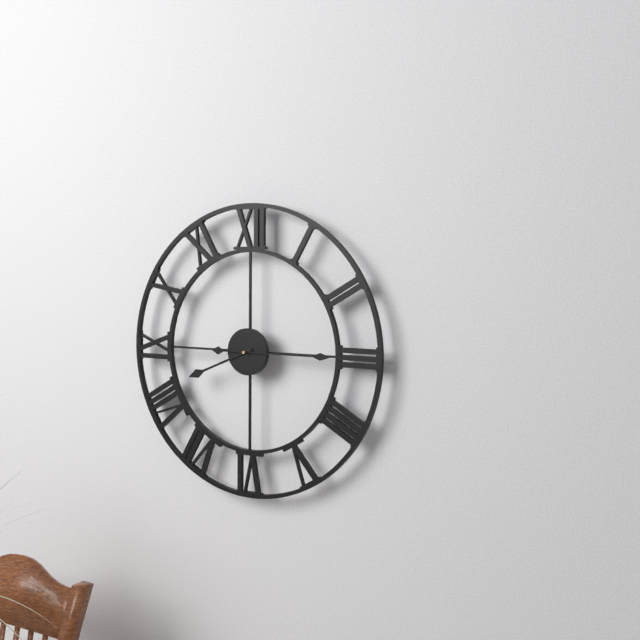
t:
8,15
